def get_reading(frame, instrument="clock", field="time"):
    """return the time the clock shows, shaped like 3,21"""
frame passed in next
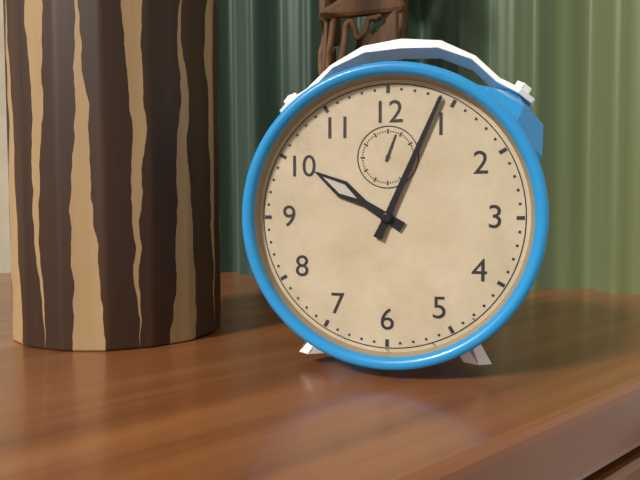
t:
10,04
